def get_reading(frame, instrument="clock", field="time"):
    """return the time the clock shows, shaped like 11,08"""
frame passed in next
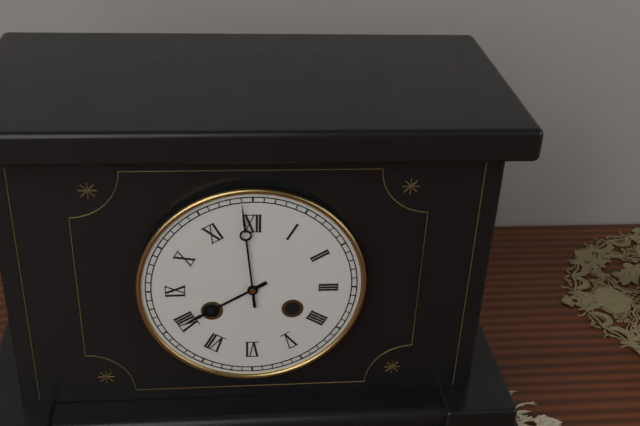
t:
7,59
